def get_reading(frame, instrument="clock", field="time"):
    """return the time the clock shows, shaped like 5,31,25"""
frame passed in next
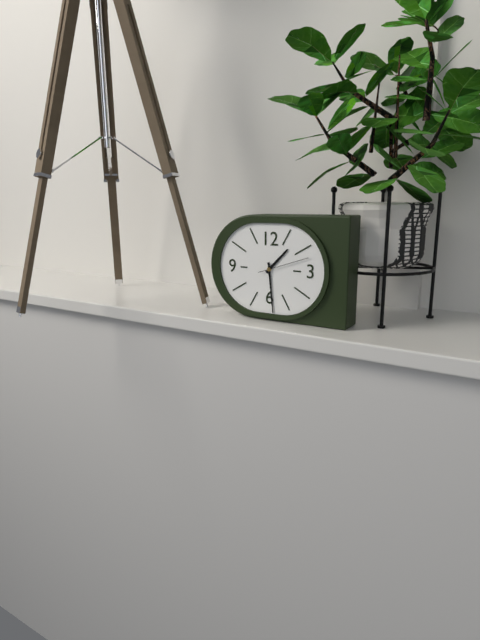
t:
1,29,12
